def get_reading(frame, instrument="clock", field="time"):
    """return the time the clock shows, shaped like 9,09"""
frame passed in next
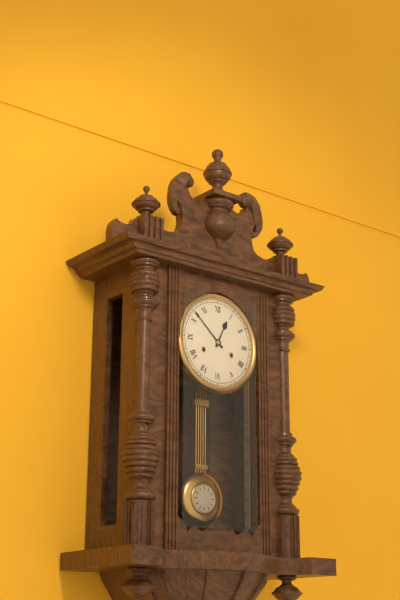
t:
12,52
